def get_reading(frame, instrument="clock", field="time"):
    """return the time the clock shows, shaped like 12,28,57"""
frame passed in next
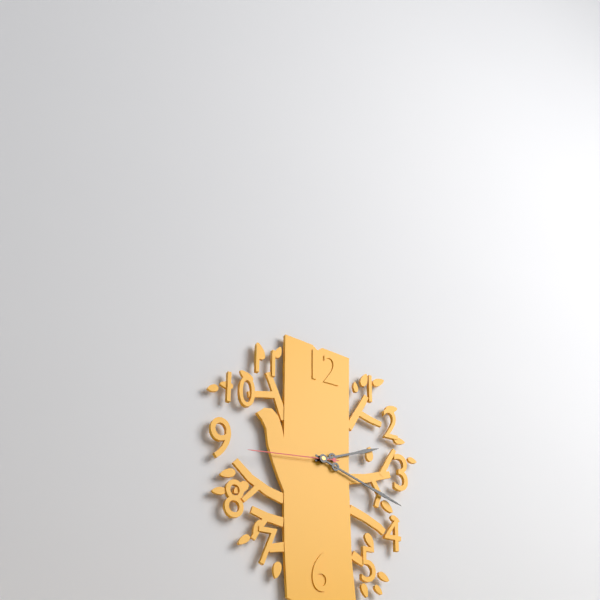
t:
2,18,44
